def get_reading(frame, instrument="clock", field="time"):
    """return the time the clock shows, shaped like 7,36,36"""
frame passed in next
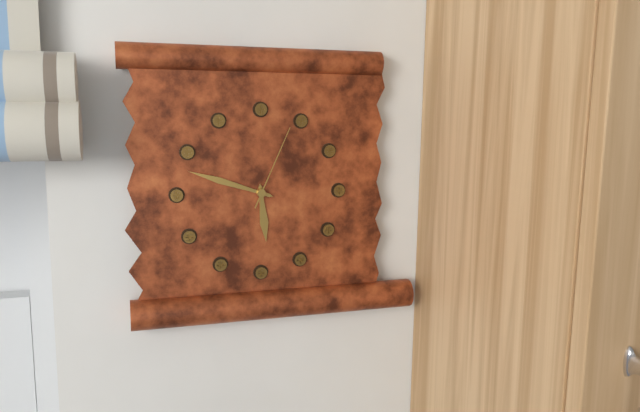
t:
5,48,04
